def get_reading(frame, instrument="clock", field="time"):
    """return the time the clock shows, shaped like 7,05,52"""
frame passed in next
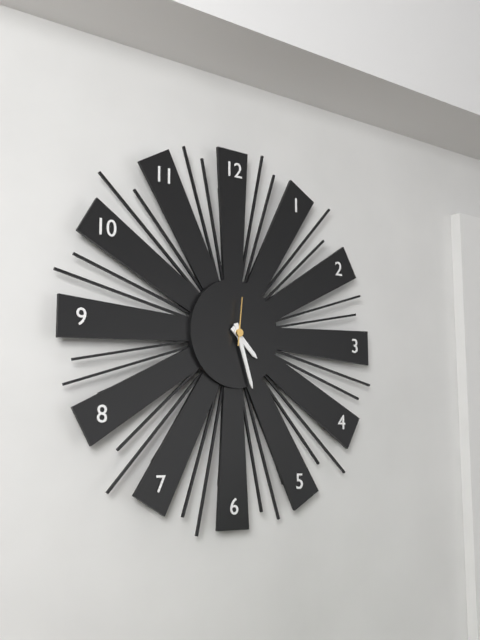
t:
4,27,01
